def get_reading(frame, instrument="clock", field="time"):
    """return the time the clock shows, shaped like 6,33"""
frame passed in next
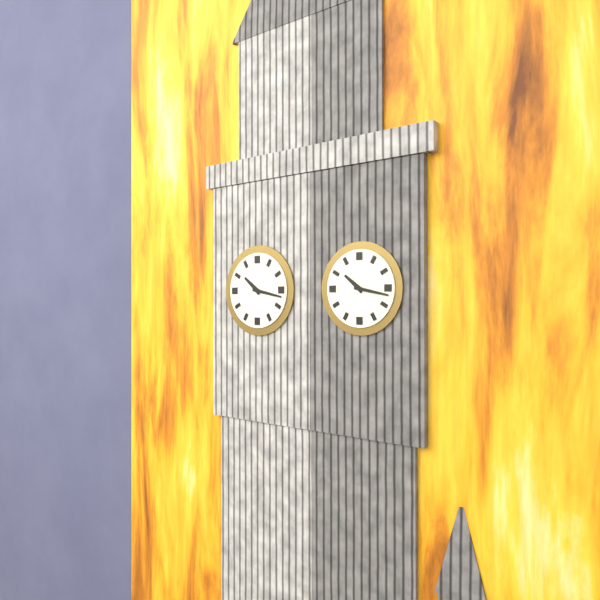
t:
10,17
